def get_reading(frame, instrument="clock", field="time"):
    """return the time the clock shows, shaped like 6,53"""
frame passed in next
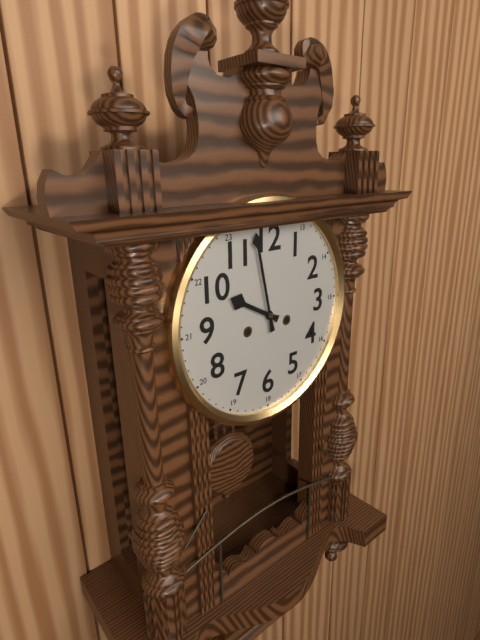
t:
9,58
